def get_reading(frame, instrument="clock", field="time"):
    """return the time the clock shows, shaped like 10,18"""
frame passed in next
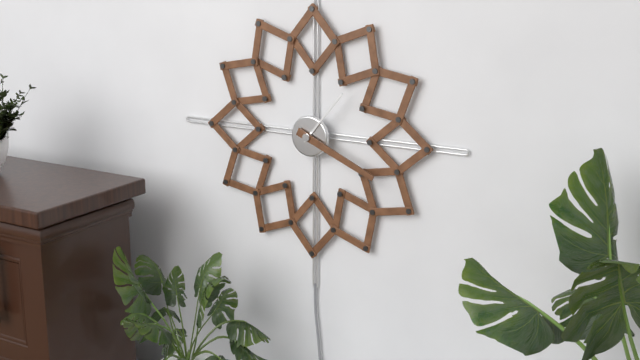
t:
1,19
